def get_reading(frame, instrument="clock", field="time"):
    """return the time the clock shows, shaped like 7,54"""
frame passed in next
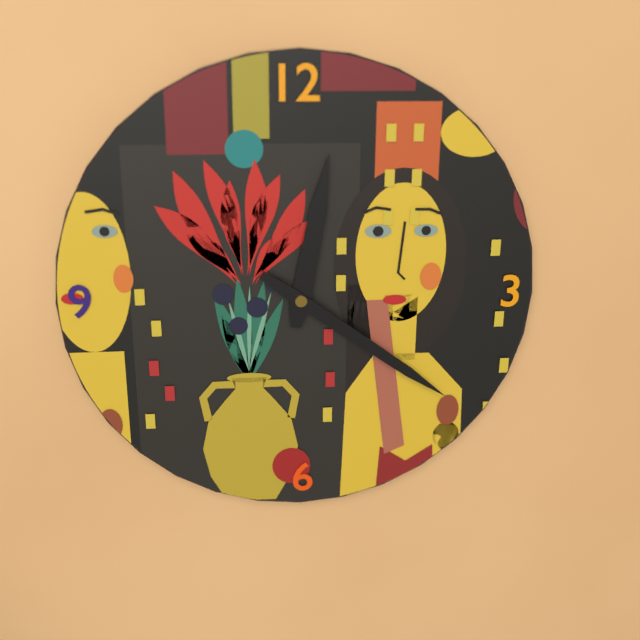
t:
12,21
